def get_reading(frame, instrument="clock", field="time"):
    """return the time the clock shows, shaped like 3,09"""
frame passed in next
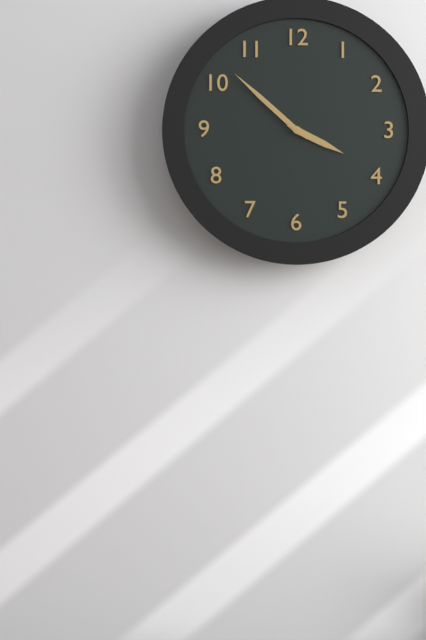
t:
3,52
